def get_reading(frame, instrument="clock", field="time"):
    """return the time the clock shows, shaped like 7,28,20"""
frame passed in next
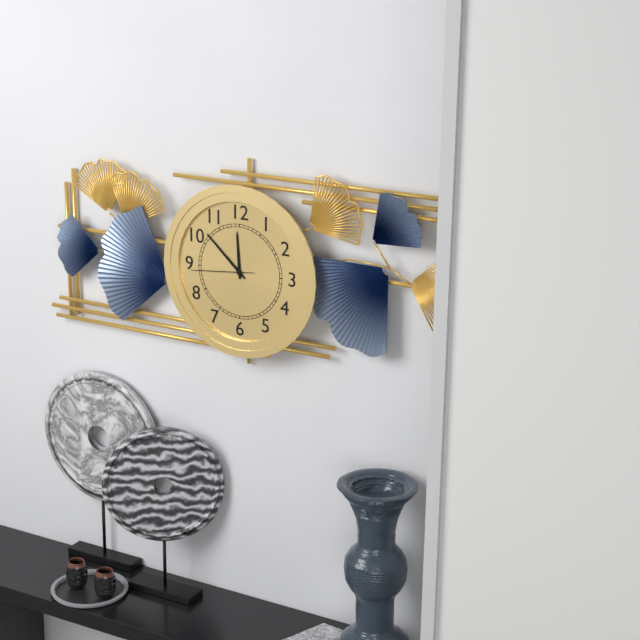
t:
11,52,44
